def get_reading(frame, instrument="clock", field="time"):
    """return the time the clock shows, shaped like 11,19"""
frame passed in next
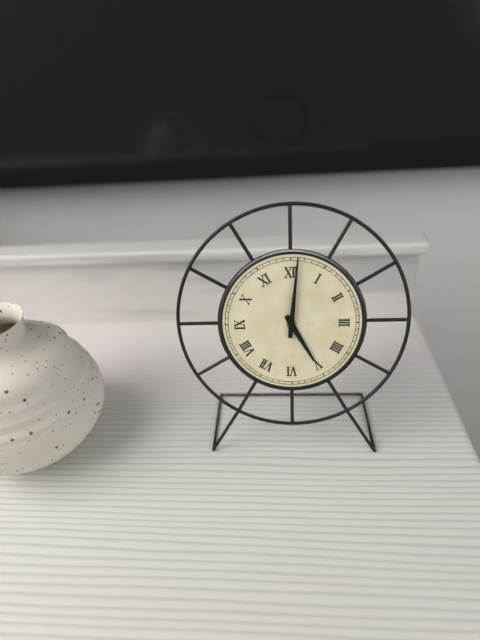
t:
5,01
